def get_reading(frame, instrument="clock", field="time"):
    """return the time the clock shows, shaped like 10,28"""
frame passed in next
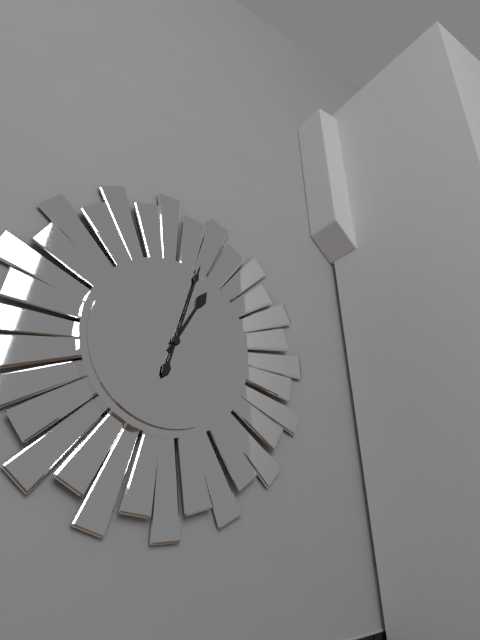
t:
1,03
